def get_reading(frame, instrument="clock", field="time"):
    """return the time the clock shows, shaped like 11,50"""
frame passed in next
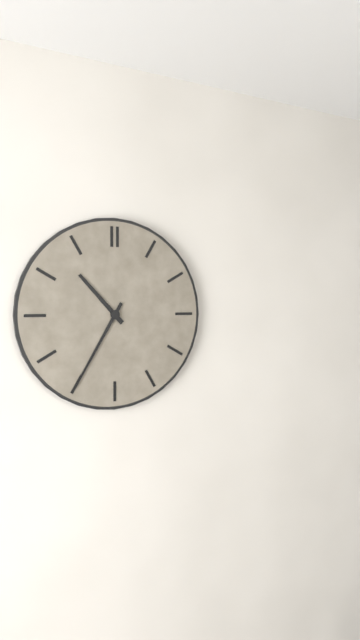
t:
10,35
